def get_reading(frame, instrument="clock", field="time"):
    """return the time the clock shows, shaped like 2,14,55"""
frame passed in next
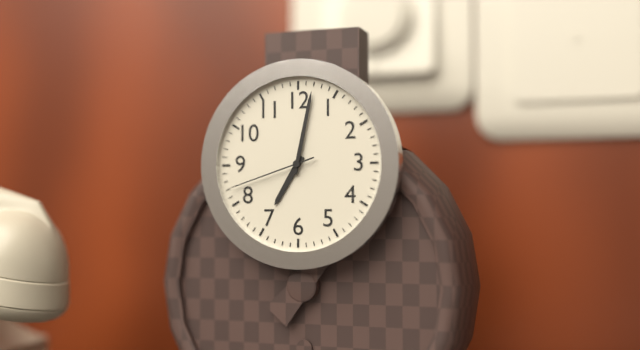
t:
7,02,42
